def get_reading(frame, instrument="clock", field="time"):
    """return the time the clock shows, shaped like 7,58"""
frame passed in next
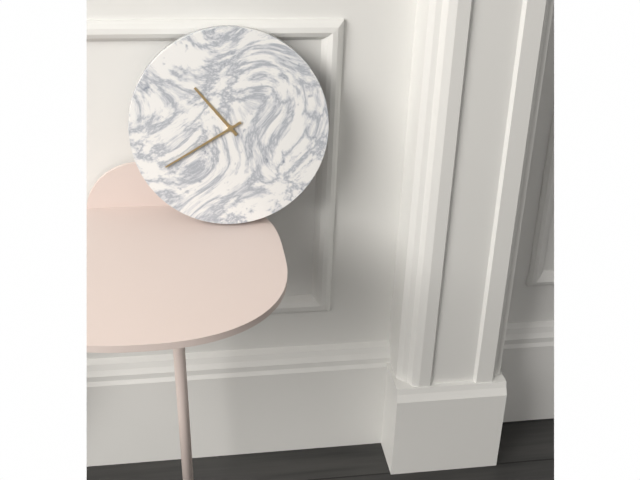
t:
10,40
